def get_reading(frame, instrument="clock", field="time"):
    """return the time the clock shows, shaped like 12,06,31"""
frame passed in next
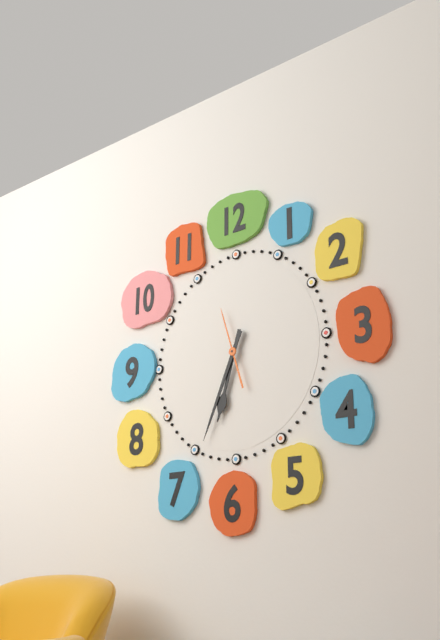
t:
6,34,57
